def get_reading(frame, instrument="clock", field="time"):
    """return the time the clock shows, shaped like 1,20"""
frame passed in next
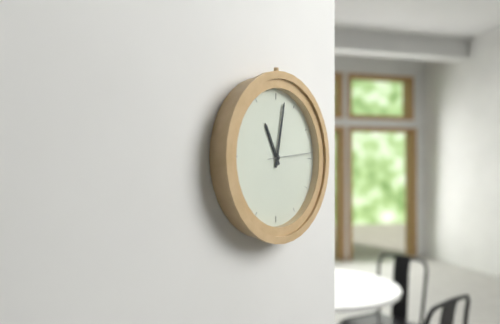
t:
11,02
